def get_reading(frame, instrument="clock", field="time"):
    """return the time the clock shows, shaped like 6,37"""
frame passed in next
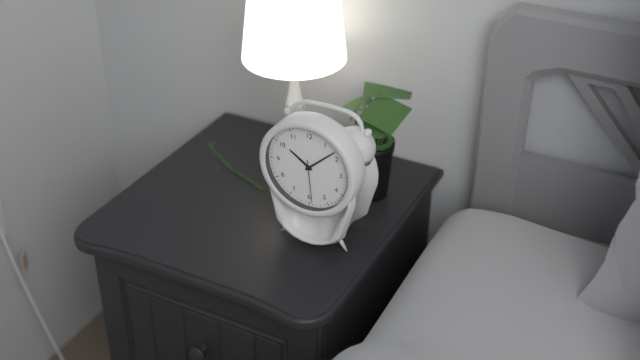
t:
10,08
